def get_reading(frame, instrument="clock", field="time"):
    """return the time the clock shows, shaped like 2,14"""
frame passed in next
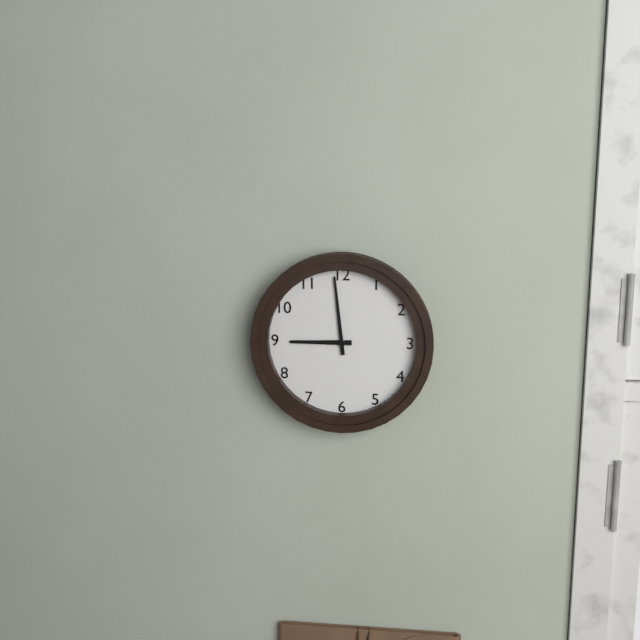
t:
8,59
